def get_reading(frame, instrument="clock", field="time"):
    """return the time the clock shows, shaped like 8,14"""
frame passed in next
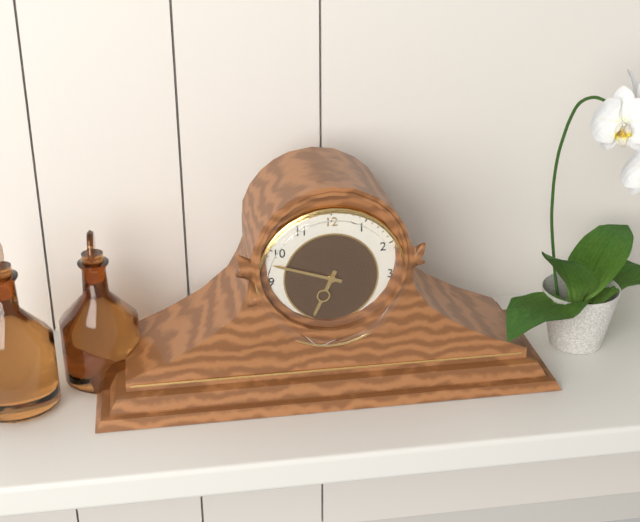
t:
6,48
